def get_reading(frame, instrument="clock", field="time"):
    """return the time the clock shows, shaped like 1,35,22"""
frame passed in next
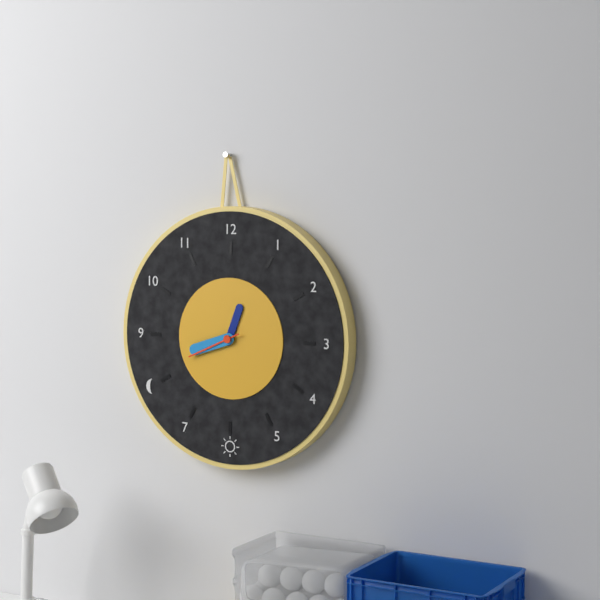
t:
12,42,41
